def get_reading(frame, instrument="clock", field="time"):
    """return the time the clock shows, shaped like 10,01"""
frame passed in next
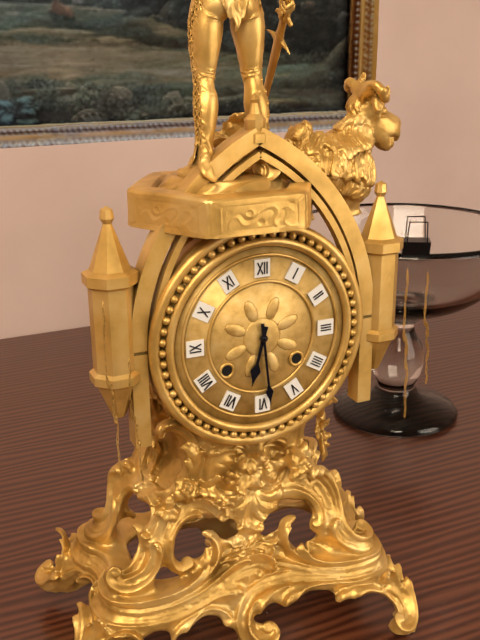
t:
6,29
